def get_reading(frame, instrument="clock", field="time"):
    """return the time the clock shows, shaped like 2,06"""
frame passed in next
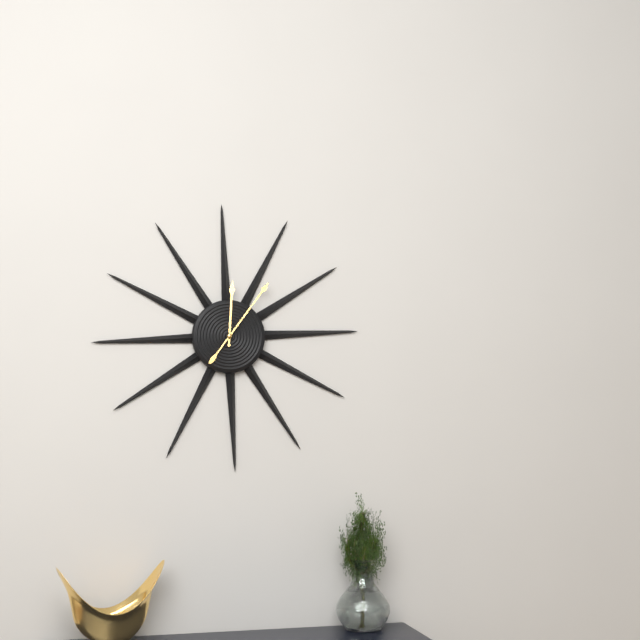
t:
12,06
